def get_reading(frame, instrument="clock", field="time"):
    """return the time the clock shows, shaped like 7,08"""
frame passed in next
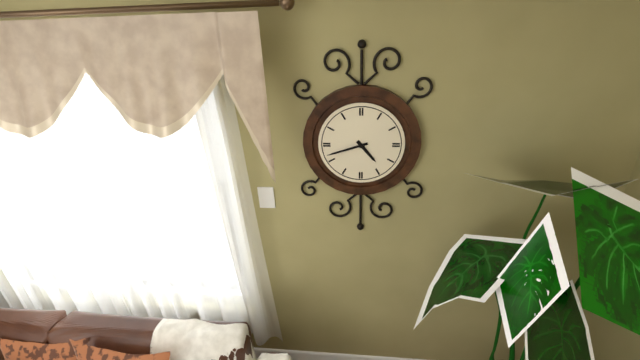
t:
4,42
